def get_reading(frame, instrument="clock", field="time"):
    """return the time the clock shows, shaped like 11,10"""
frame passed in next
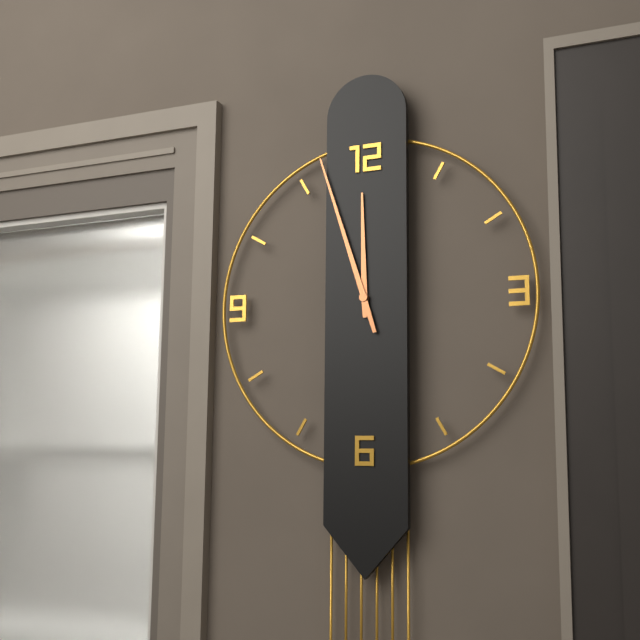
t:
11,57
